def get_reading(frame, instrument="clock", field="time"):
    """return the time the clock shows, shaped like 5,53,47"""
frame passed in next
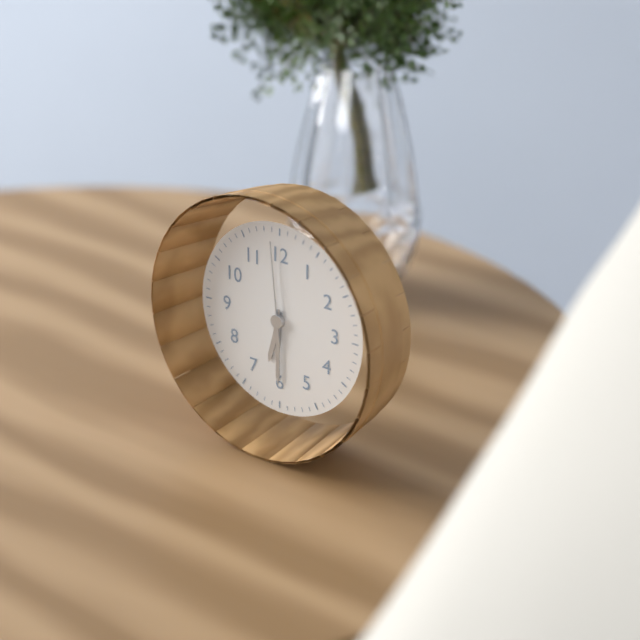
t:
6,30,59
